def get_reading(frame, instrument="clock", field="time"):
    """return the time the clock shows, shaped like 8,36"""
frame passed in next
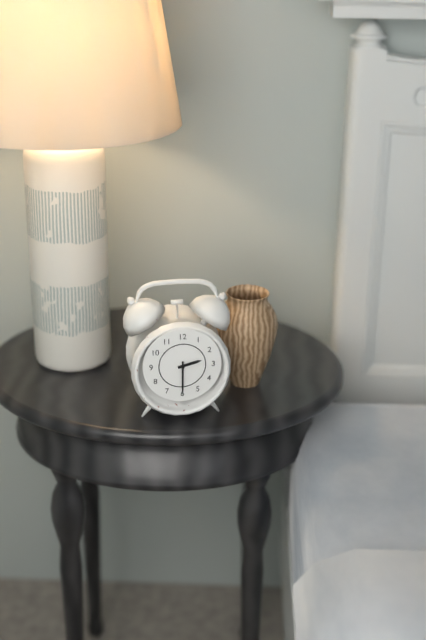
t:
2,30
